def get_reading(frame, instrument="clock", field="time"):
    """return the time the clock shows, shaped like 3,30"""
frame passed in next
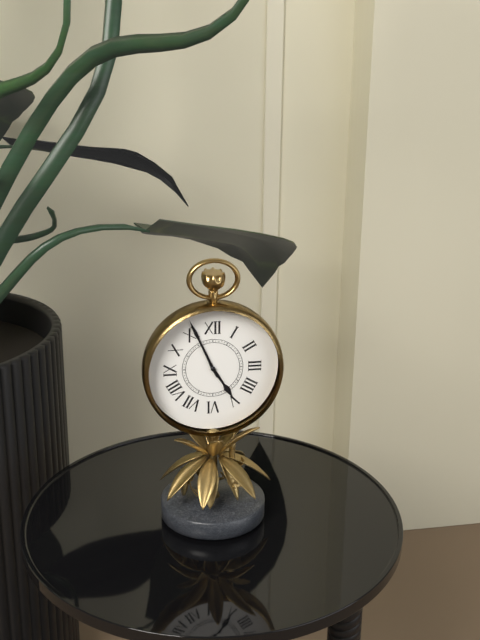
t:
4,56
